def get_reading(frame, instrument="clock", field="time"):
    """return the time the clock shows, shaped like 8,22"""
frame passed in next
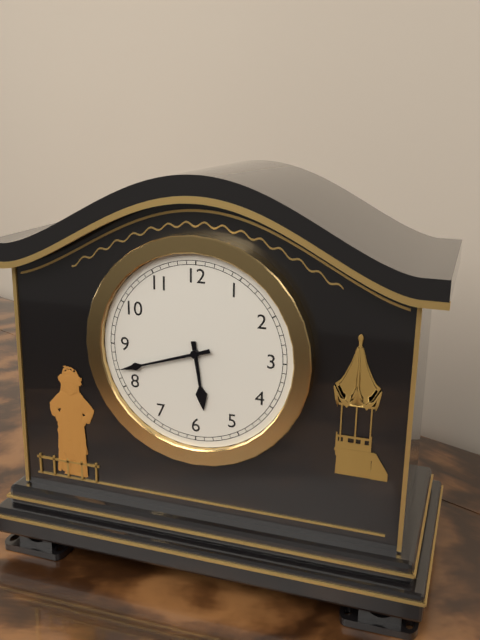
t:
5,42
